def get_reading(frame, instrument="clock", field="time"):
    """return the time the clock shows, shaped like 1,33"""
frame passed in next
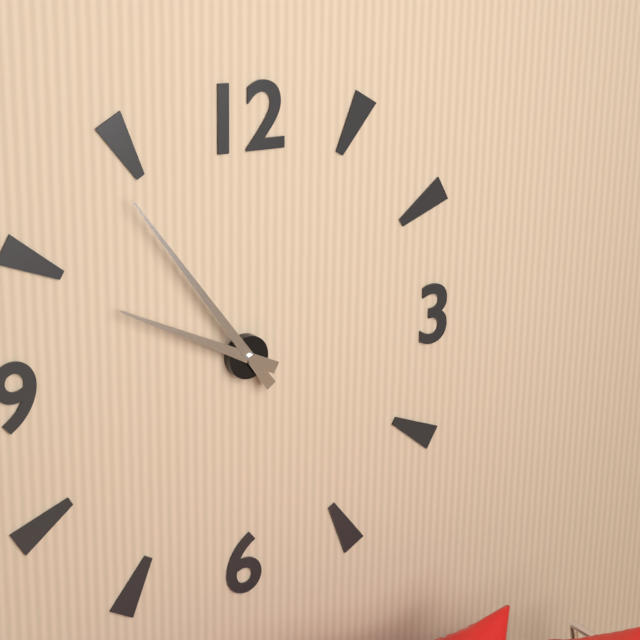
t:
9,54
